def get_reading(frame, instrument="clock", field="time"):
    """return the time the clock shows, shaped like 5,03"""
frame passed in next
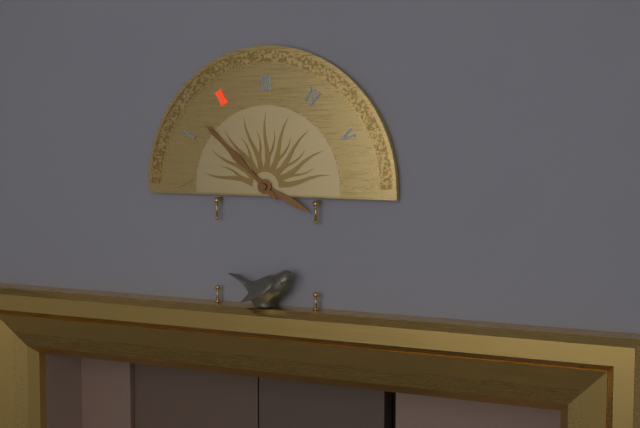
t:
3,52
